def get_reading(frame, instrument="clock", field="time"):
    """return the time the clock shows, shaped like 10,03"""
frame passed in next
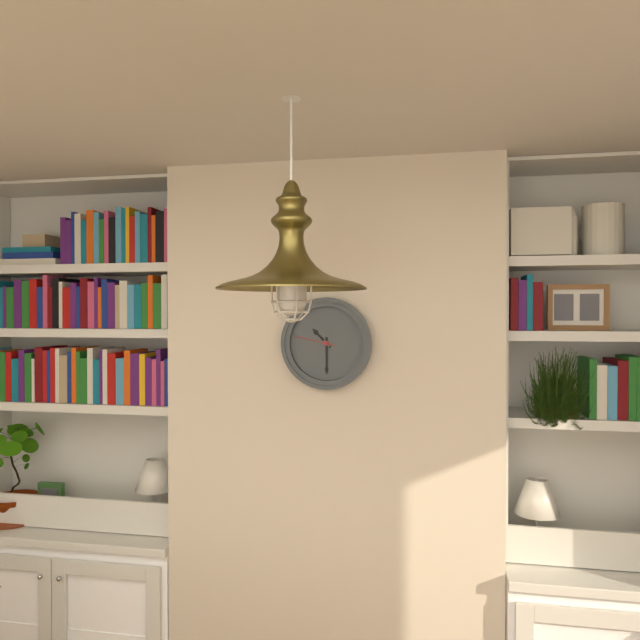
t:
10,30
